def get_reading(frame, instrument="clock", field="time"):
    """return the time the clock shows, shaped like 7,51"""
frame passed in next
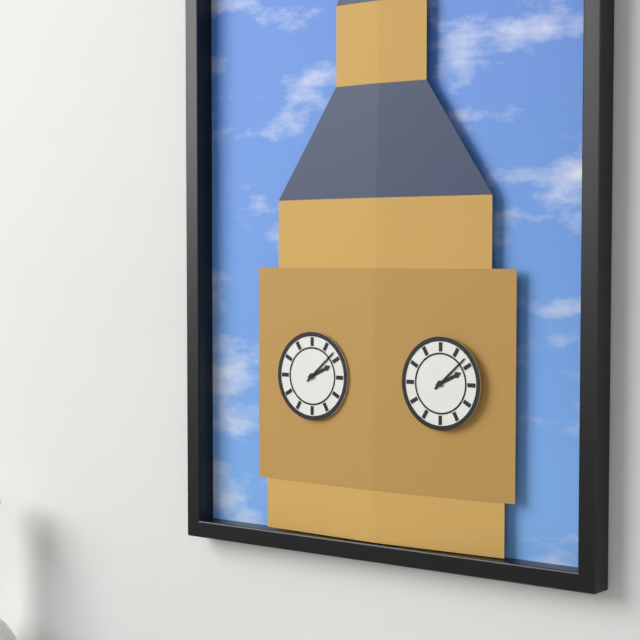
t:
2,08
